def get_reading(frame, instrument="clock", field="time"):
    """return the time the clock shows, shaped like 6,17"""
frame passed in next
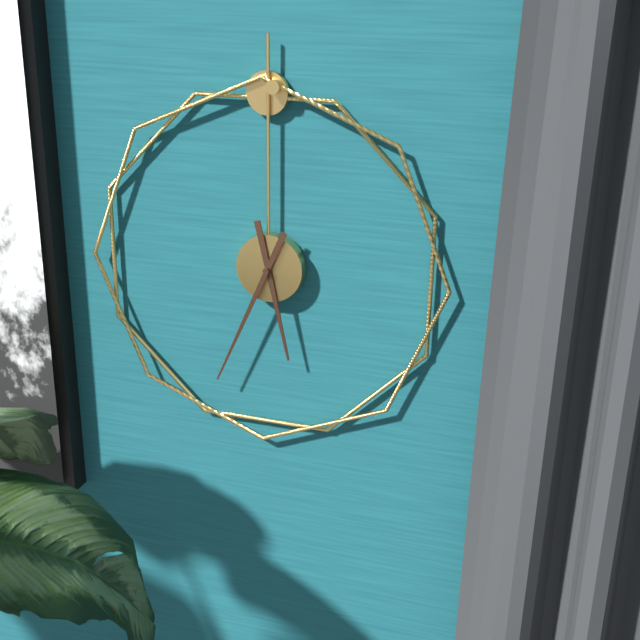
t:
5,34
